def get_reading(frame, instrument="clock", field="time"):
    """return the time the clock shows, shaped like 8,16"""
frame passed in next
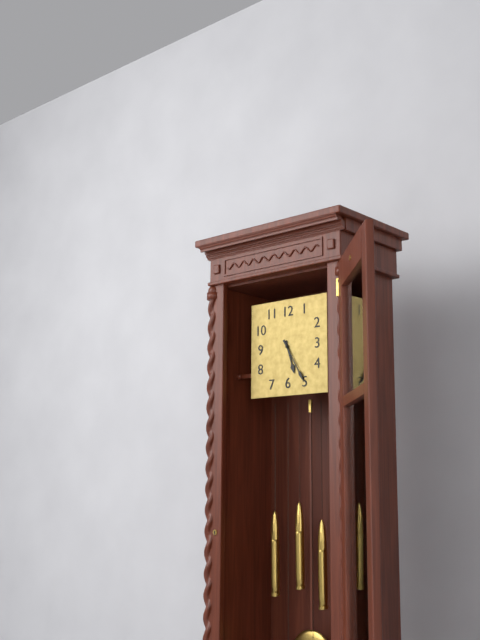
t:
5,25
